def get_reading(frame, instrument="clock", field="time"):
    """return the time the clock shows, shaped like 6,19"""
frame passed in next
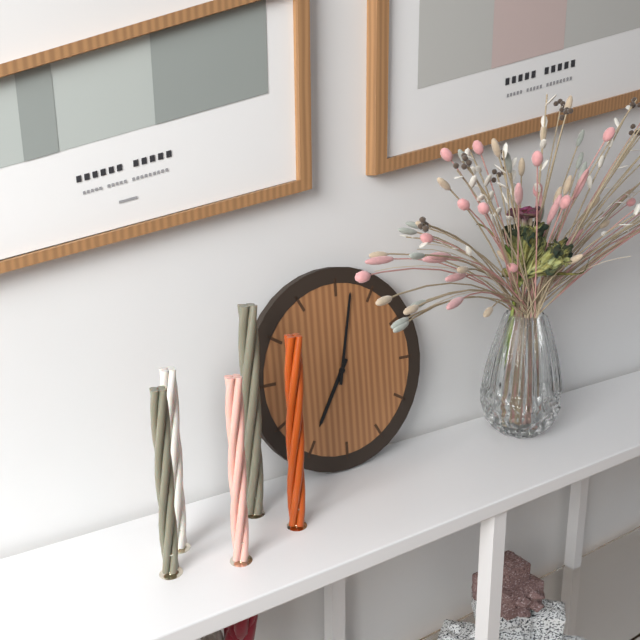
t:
7,02
